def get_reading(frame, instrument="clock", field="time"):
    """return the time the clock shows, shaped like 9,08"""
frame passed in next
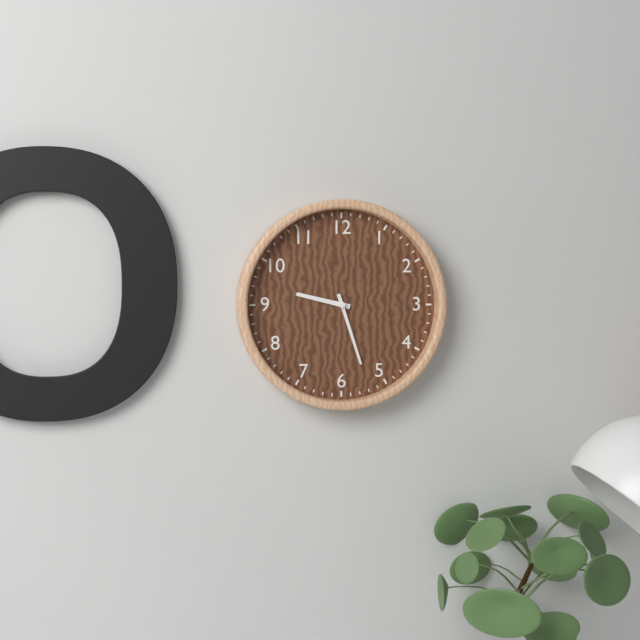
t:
9,27
